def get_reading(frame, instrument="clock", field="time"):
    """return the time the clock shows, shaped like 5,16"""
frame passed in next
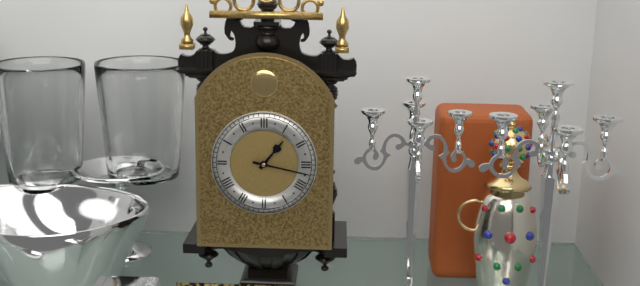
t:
1,17
